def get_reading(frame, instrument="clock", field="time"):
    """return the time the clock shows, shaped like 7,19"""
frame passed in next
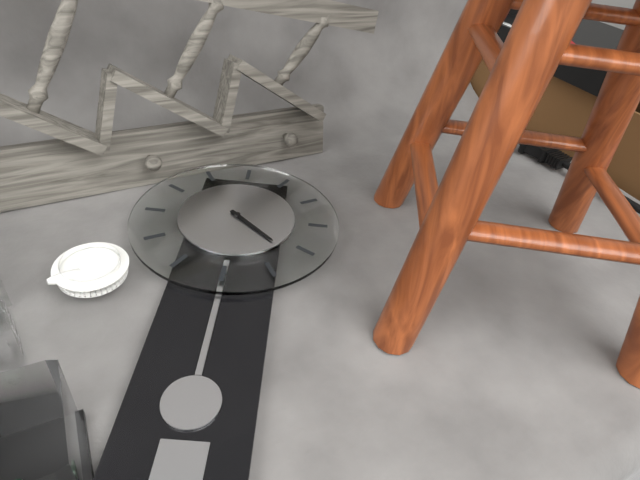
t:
4,22
